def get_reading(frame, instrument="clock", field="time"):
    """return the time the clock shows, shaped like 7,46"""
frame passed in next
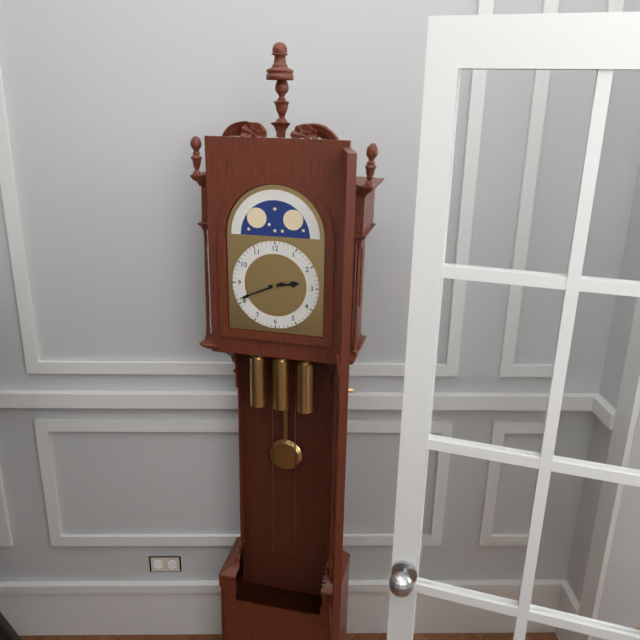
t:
2,41
